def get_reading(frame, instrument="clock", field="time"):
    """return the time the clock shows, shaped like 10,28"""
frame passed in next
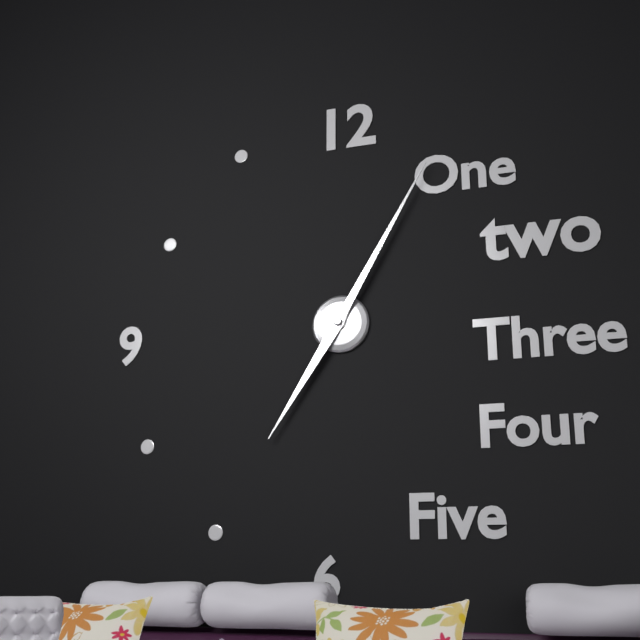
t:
7,05
